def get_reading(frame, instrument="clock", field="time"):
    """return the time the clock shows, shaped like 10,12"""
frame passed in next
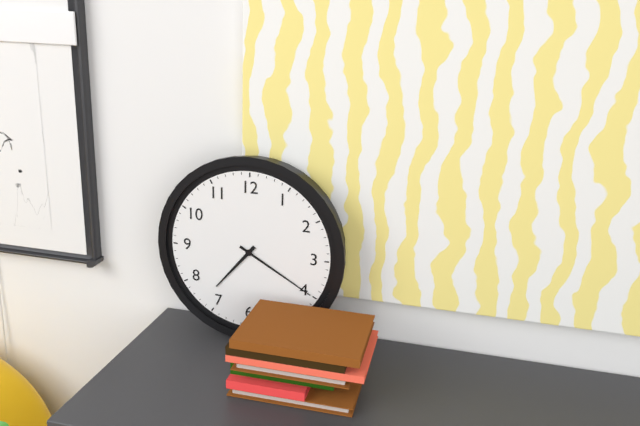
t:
7,20
